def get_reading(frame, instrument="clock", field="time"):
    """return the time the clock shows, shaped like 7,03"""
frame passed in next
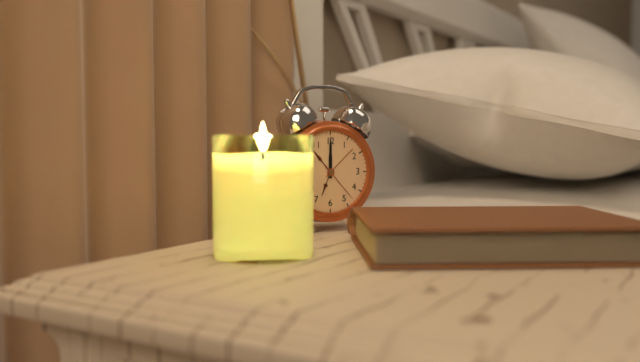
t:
12,00
